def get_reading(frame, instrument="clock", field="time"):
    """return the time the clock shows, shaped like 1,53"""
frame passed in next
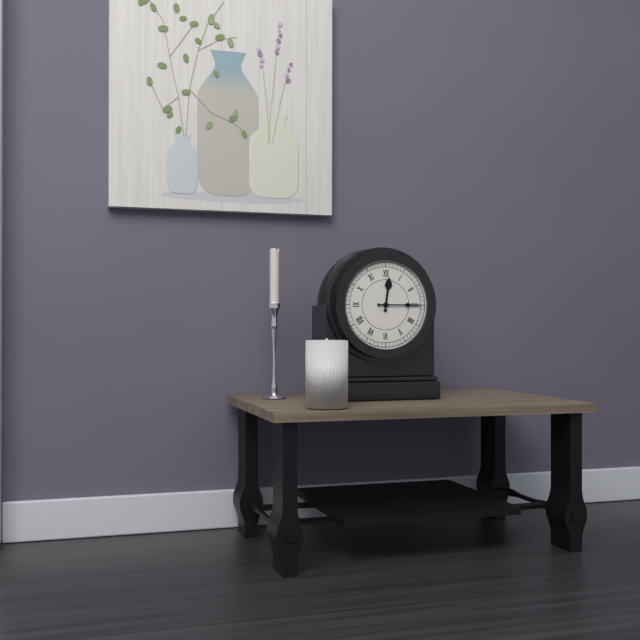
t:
12,15
